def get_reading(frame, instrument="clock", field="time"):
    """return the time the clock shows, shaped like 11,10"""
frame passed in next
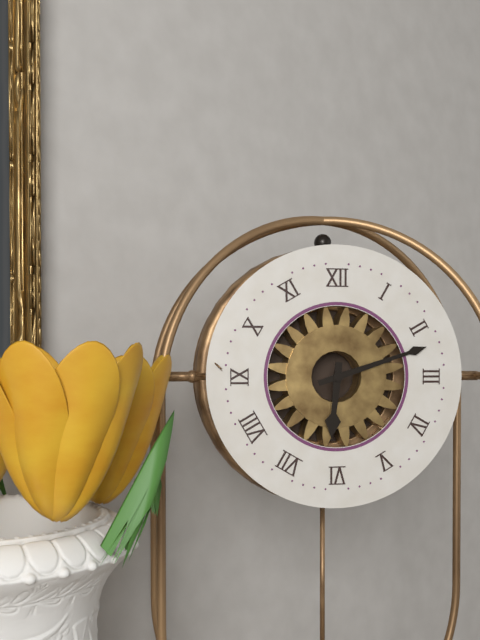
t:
6,12
